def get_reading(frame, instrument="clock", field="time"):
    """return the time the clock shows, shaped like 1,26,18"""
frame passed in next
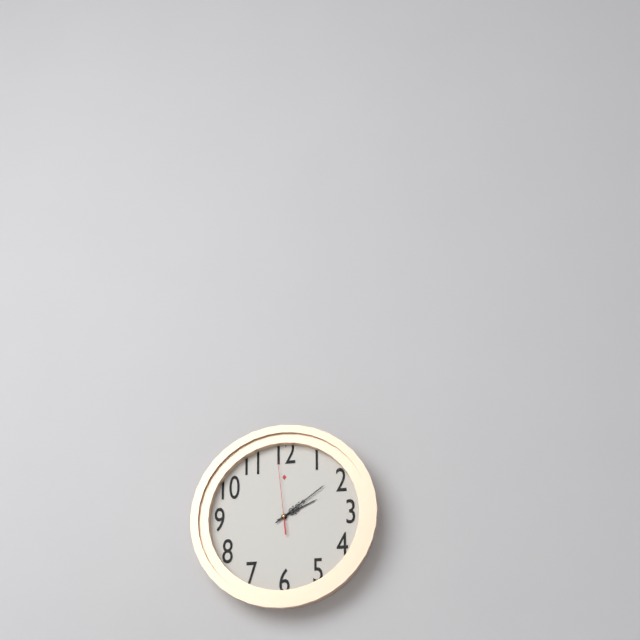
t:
2,09,59
